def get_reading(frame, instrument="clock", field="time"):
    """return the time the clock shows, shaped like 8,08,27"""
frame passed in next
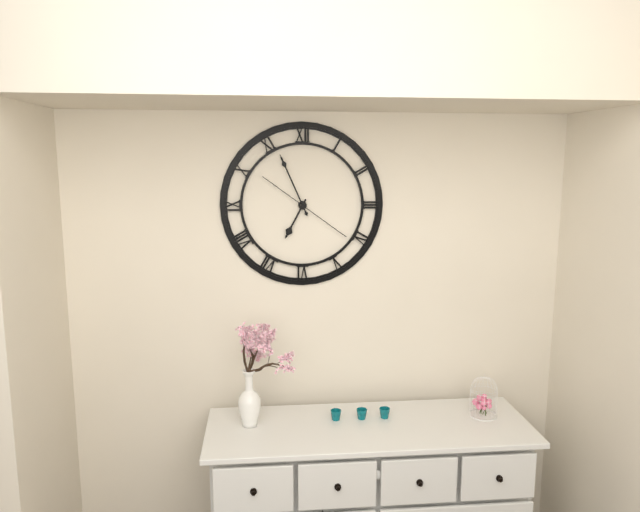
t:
6,56,21
